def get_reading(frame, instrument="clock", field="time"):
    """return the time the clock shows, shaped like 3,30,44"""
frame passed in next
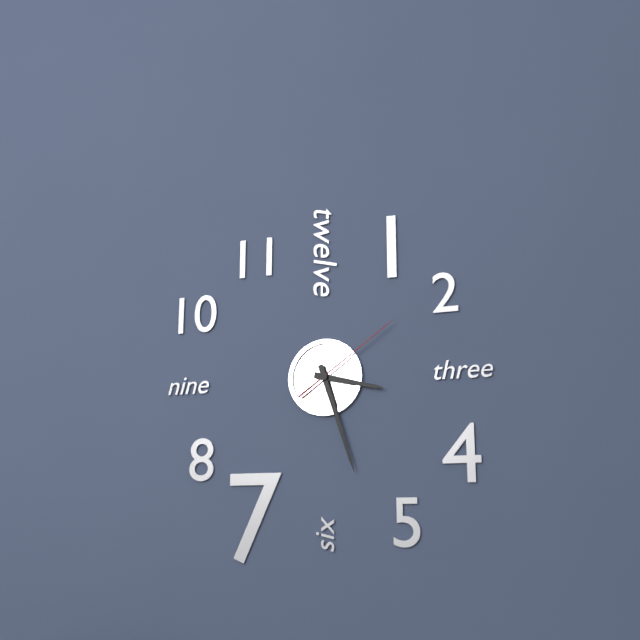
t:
3,27,09
